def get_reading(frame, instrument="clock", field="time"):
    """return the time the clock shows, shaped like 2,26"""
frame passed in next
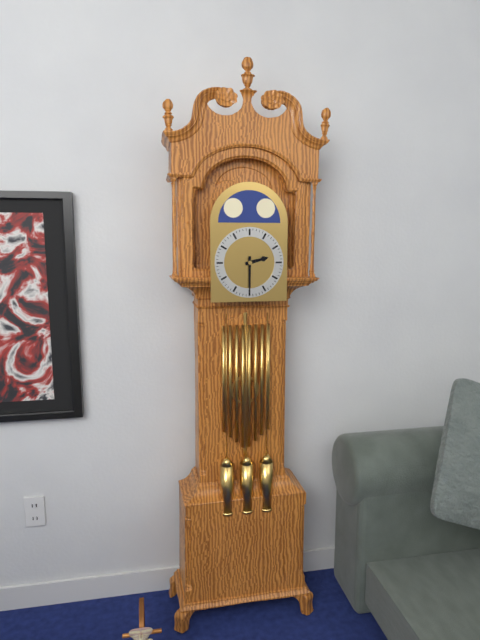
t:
2,30
